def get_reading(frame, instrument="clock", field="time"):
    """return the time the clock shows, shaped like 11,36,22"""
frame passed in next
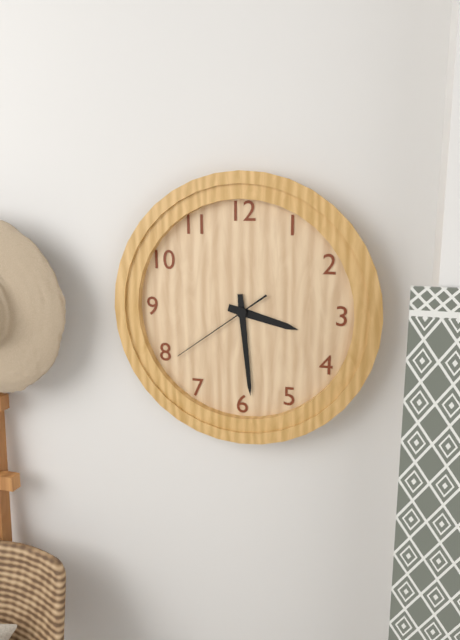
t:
3,29,39
